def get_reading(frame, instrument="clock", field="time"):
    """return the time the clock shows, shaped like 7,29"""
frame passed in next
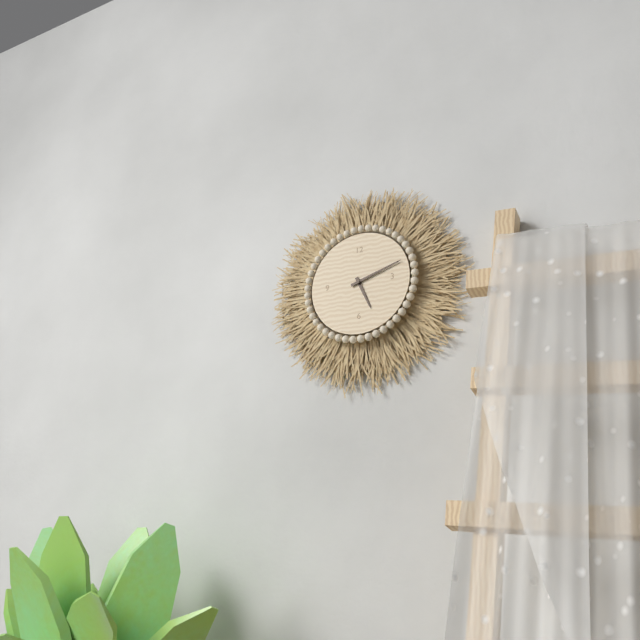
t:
5,12
